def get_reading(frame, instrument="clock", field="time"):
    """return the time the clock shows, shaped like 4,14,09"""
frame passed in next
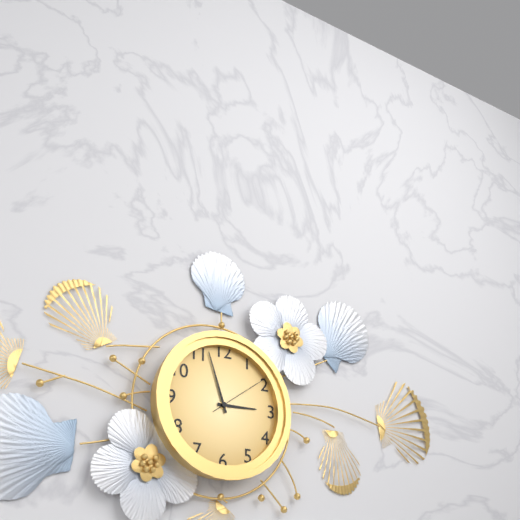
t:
2,57,09
